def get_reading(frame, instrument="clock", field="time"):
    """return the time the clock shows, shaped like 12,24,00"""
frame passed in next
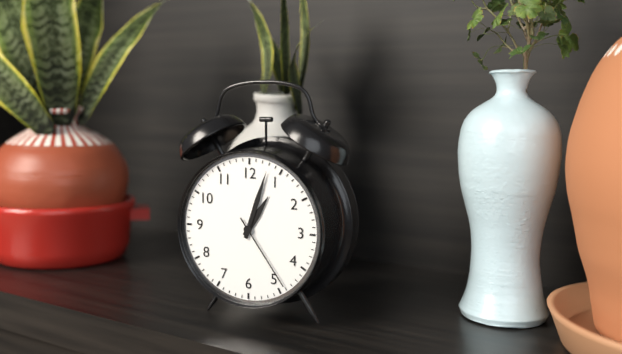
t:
1,03,24
